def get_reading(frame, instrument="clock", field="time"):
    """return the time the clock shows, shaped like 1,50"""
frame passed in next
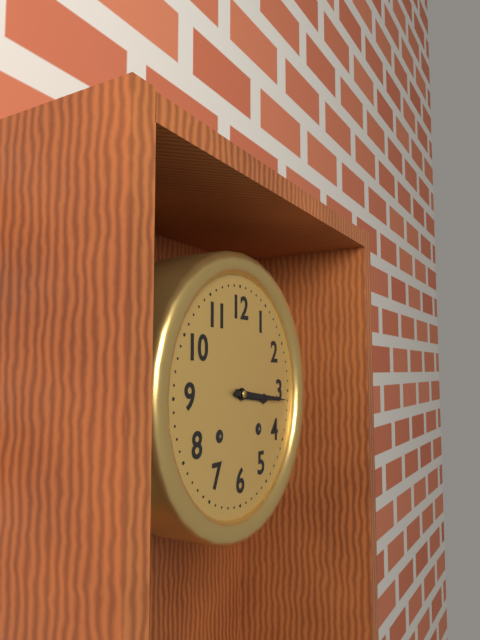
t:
3,16
